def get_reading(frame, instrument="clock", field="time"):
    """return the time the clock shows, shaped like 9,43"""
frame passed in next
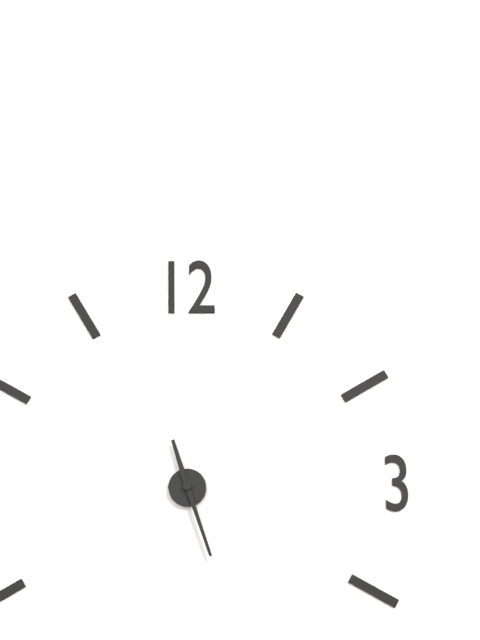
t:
11,27
